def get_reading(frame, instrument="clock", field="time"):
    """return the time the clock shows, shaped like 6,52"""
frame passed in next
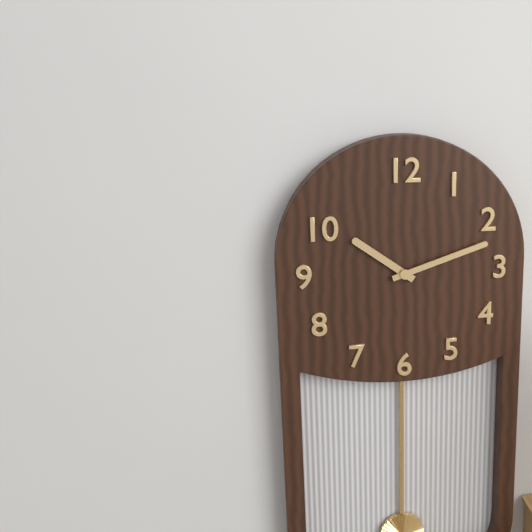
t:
10,12
